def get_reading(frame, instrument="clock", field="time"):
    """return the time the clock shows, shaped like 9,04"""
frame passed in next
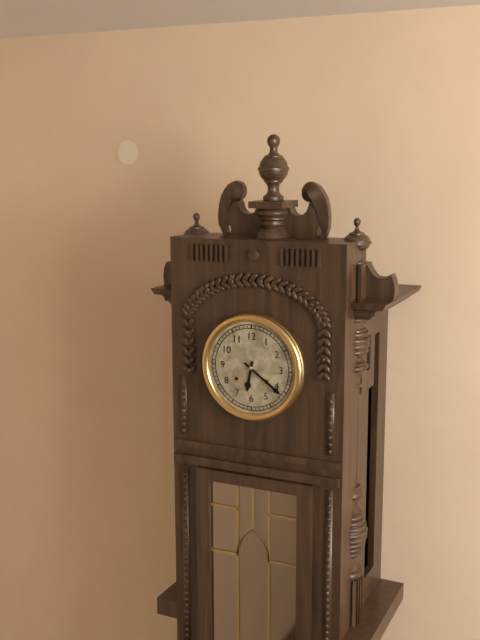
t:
6,21
